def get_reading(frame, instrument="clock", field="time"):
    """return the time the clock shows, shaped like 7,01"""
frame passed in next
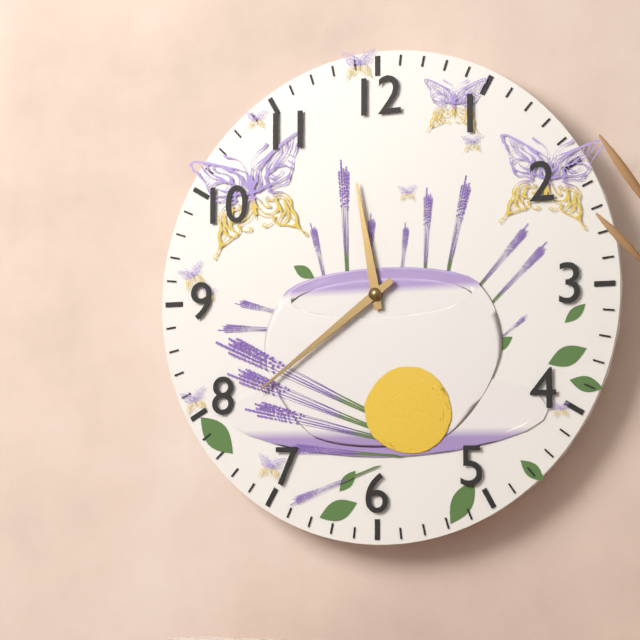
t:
11,39
